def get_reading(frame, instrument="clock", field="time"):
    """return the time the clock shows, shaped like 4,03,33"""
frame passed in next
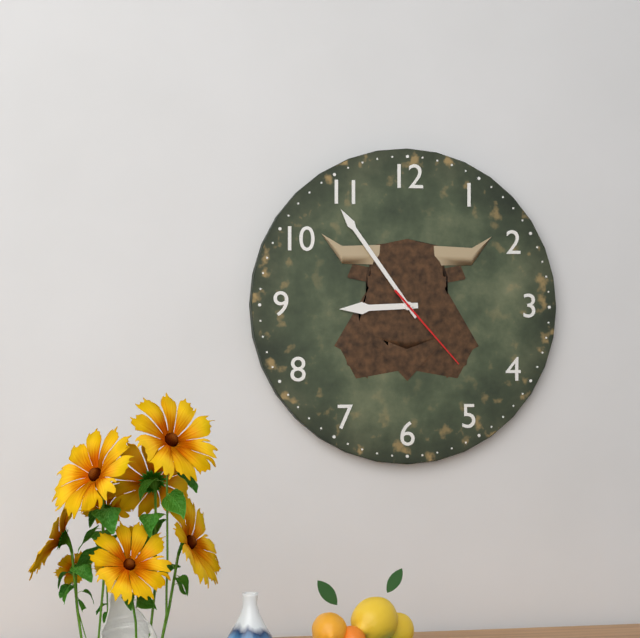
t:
8,54,23
